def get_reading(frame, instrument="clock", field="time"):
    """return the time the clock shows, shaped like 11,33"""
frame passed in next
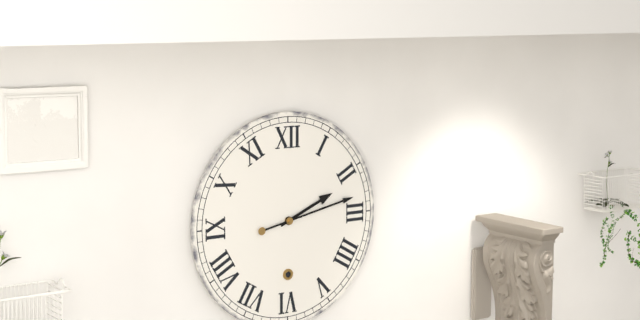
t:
2,13
